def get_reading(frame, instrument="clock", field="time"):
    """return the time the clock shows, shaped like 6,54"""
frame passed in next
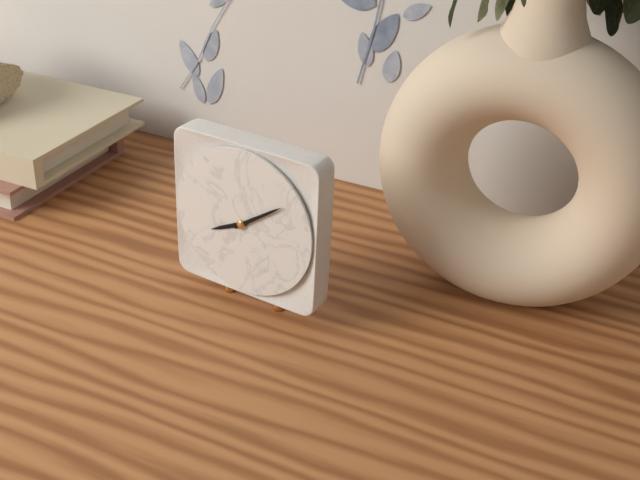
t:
8,09
